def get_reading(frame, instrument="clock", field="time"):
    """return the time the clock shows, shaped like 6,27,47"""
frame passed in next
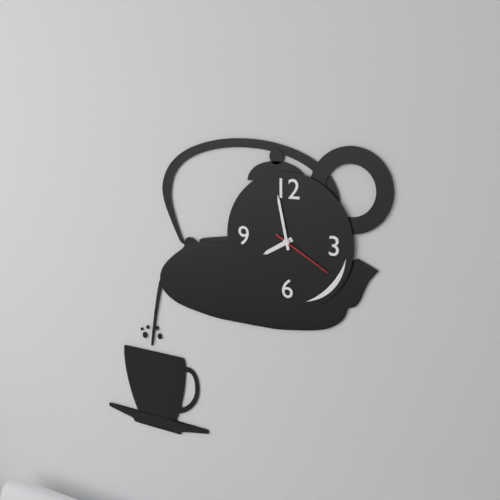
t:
7,58,20
